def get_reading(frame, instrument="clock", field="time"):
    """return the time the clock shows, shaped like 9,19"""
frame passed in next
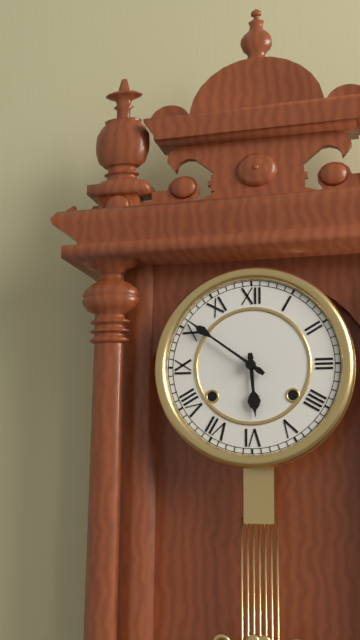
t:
5,51
